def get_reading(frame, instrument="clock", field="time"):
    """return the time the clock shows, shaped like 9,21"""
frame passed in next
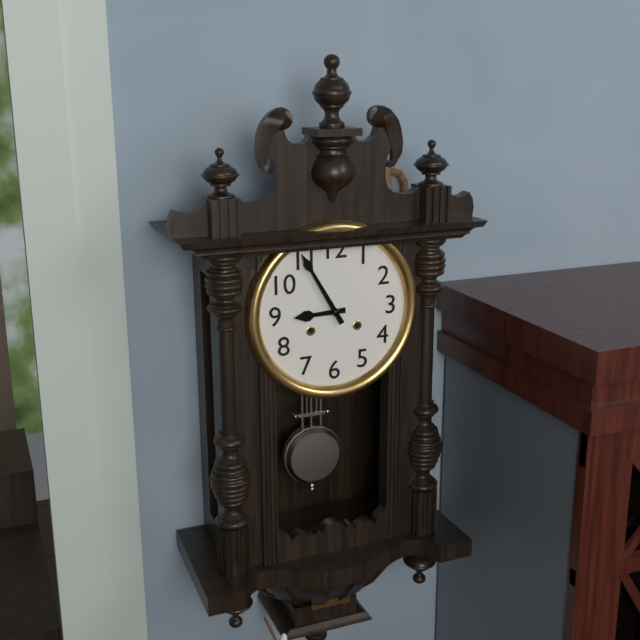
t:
8,55
